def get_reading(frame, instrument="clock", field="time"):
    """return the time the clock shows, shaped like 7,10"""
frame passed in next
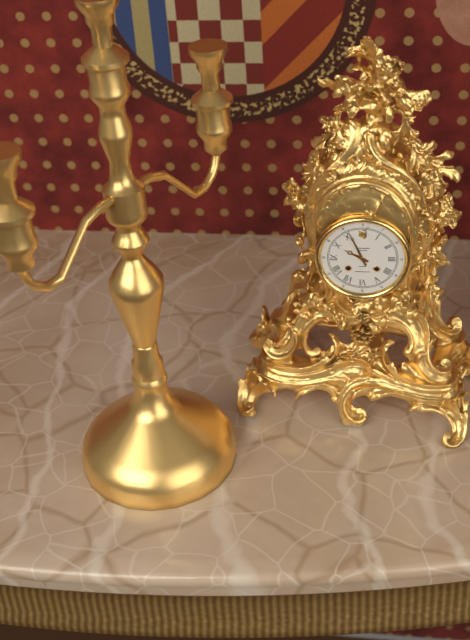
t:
9,56
